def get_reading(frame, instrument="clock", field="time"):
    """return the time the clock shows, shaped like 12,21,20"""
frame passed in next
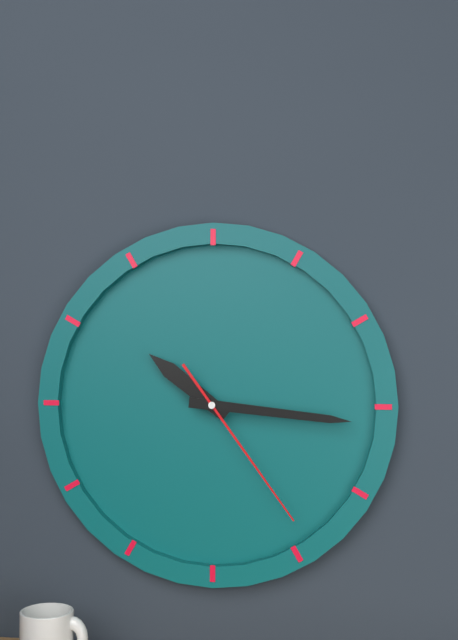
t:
10,16,24
